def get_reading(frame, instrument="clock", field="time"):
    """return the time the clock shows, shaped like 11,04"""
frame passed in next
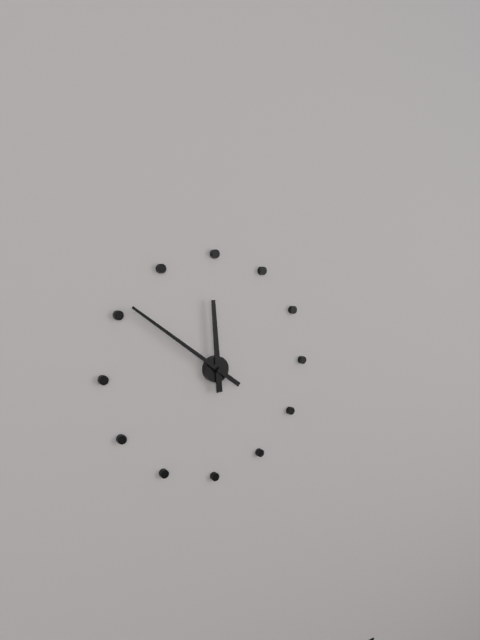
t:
11,51
